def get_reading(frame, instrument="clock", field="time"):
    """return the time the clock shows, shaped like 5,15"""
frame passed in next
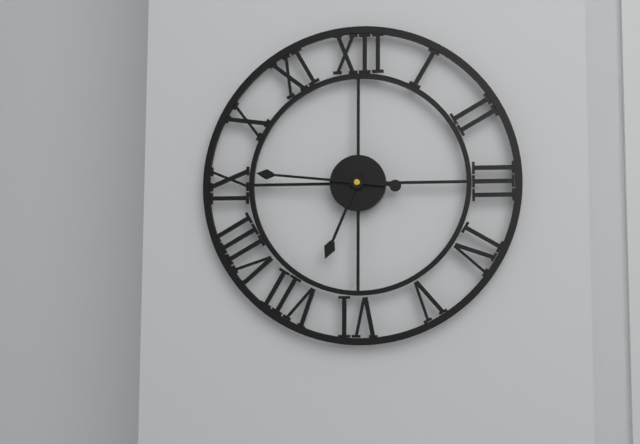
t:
6,46
